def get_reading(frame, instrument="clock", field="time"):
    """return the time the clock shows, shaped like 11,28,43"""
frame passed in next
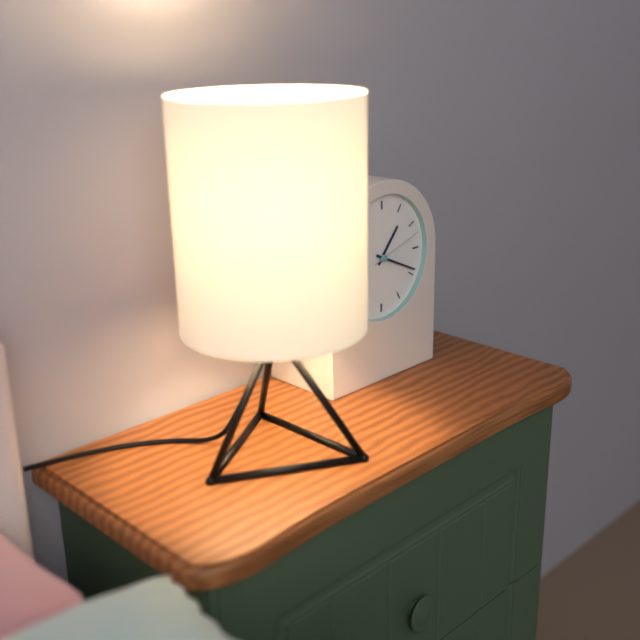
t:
1,19,12
